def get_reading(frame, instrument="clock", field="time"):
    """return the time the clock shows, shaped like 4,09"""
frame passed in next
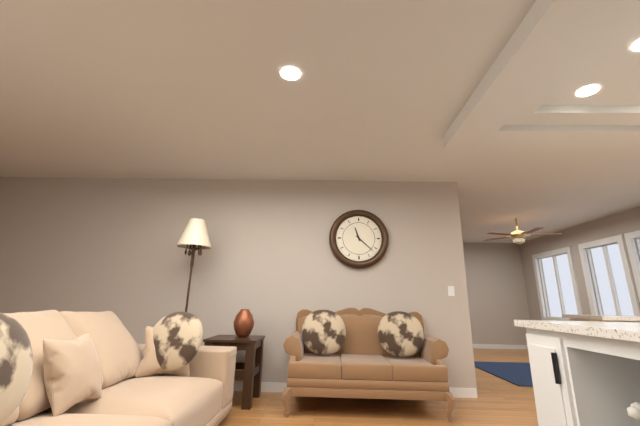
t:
11,22
